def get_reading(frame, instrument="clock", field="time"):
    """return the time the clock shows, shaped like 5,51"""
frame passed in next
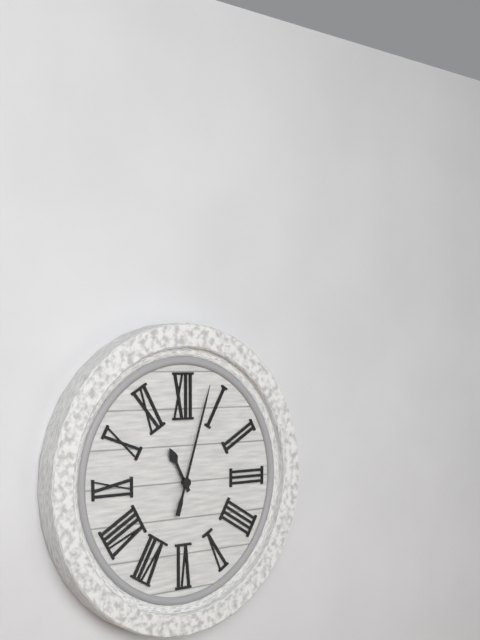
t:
11,03
